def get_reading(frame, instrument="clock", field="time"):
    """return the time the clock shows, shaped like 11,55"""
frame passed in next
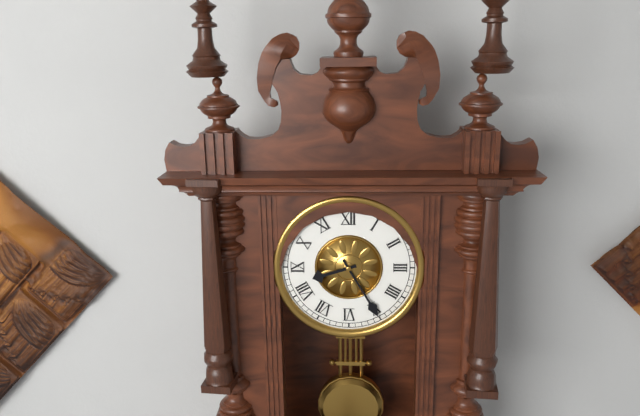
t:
8,25
